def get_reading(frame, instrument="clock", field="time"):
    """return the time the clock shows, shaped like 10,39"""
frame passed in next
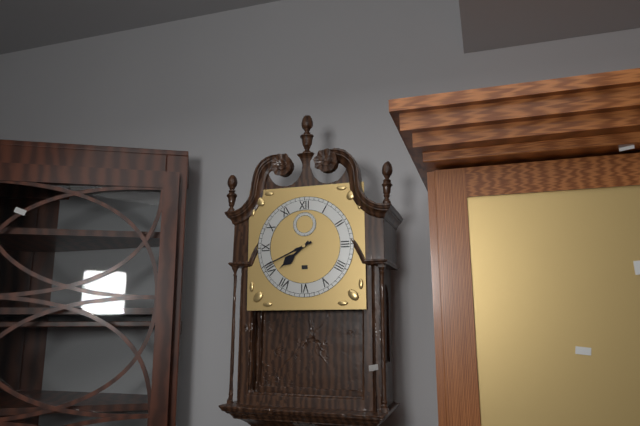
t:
7,41
